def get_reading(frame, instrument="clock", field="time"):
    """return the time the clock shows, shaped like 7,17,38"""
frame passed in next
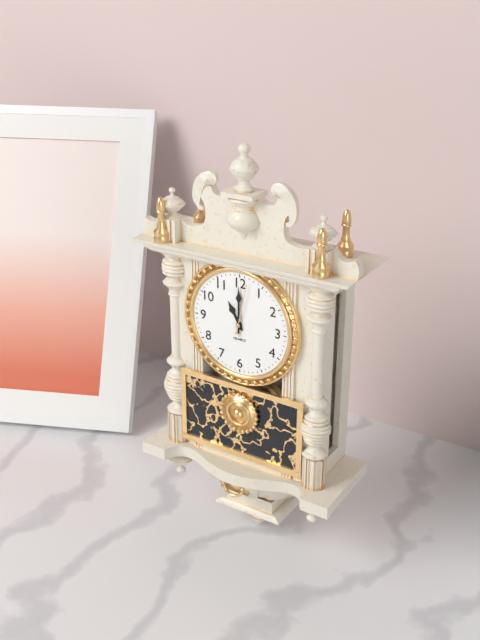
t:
11,00,02
